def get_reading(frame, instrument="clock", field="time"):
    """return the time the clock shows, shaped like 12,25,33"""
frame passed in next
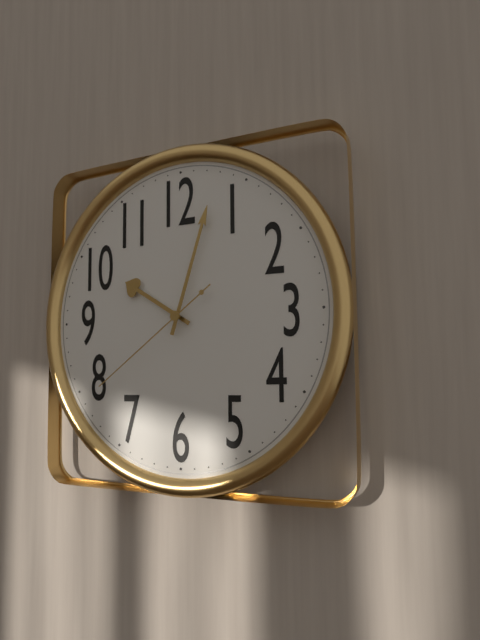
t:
10,03,39
